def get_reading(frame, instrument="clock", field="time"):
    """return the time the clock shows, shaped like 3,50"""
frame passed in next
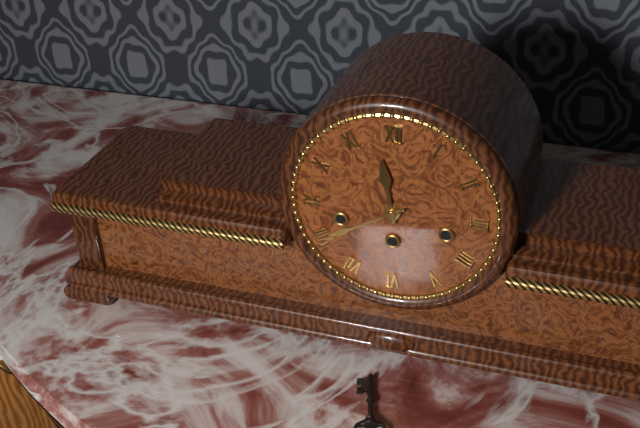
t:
11,40
